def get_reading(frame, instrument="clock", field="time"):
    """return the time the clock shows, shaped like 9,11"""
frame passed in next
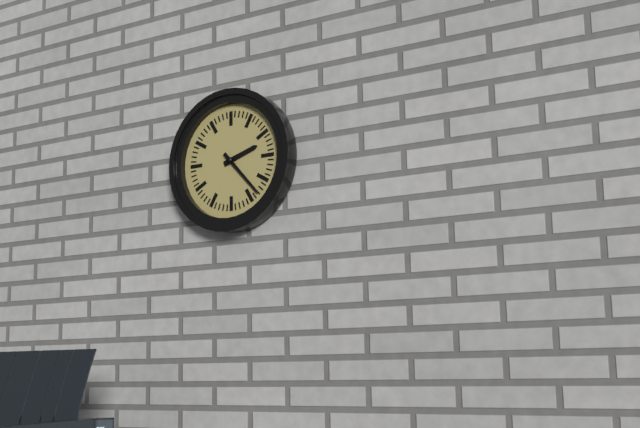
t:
2,23
